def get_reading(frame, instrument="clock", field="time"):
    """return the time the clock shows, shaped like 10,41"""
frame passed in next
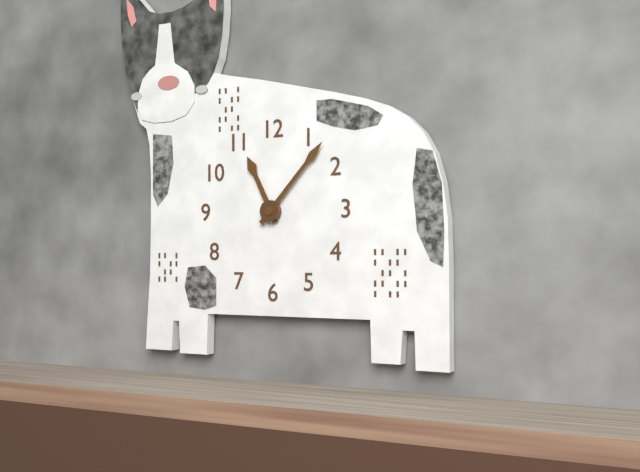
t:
11,07
